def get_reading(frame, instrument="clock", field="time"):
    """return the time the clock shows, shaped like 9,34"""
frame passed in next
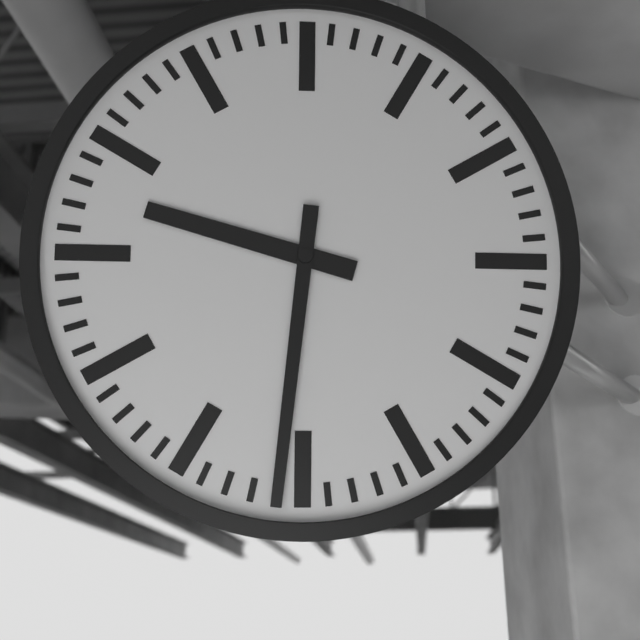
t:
9,31
